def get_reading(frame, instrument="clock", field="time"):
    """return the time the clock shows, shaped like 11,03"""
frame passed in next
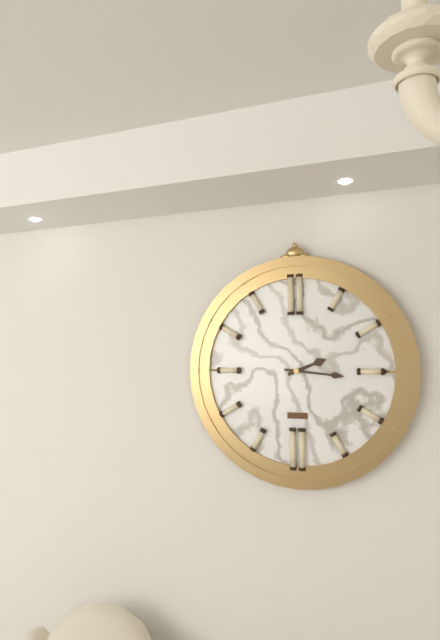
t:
2,16
